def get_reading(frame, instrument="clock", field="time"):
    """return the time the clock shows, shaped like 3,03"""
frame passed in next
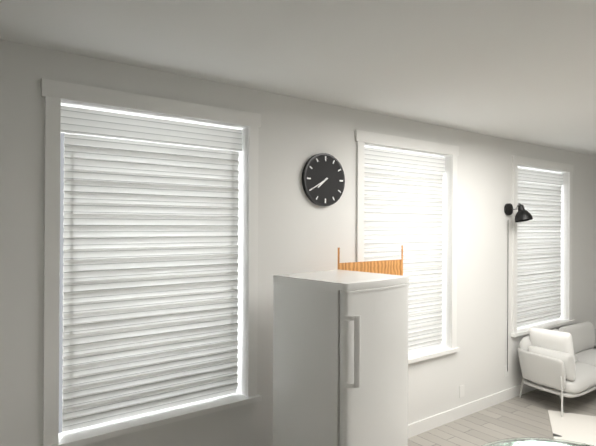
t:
7,40
